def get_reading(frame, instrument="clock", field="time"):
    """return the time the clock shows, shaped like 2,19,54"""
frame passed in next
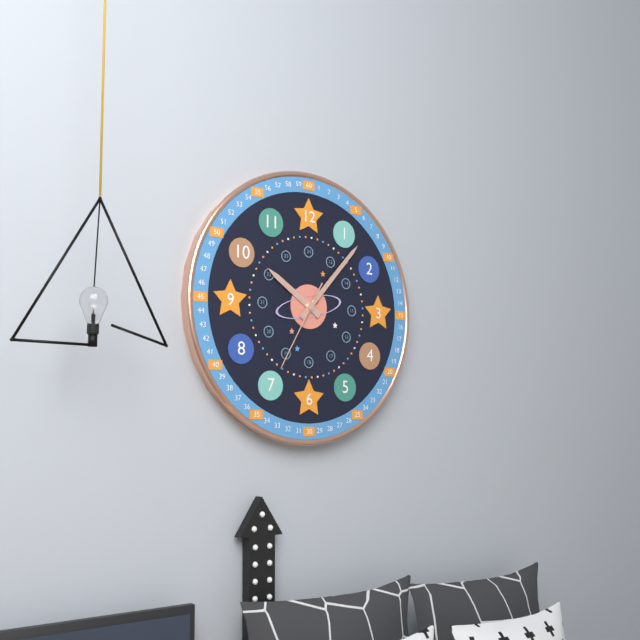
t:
10,07,35
